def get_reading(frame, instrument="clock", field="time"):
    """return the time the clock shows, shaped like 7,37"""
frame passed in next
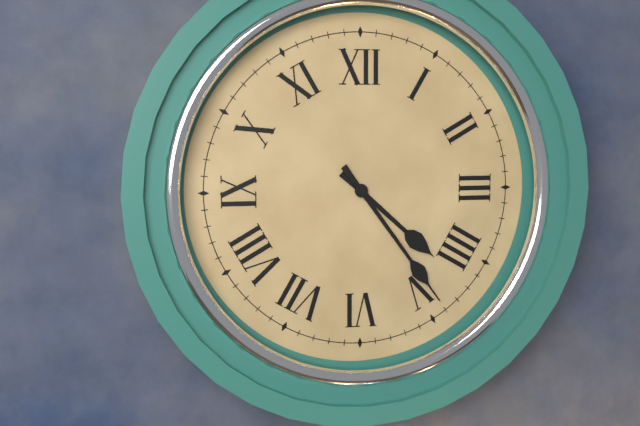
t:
4,24
